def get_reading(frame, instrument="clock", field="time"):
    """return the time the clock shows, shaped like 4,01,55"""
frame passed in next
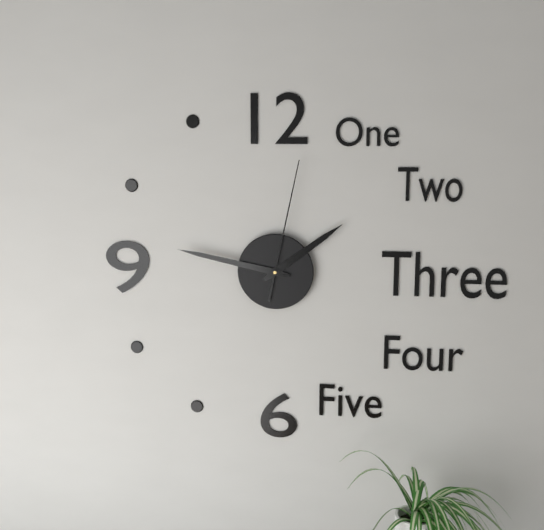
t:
1,47,02
